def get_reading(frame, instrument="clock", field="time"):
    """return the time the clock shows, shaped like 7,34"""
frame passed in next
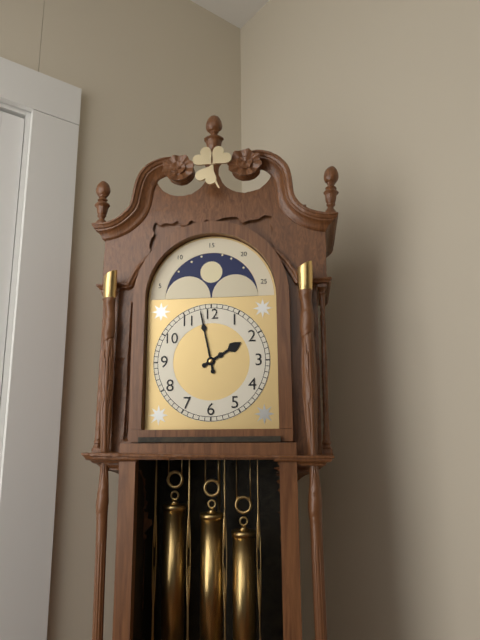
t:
1,58
